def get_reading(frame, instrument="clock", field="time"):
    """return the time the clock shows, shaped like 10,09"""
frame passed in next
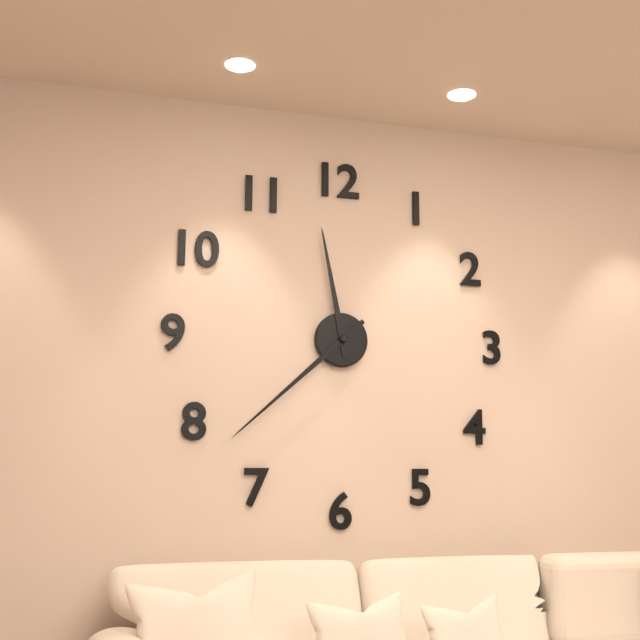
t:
11,38
